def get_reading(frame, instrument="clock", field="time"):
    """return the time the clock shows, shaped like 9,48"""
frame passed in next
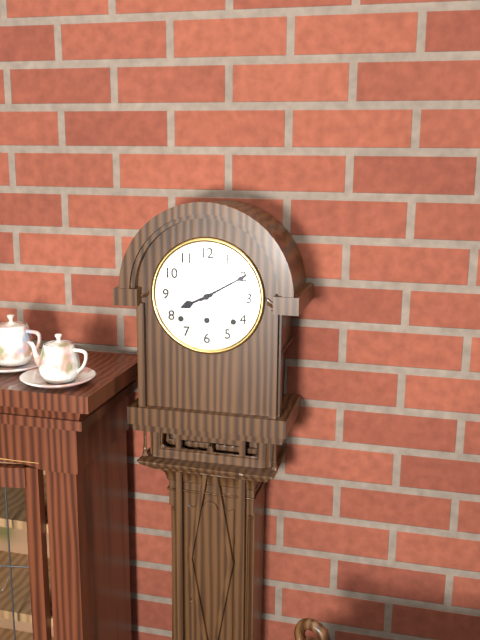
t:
8,10
